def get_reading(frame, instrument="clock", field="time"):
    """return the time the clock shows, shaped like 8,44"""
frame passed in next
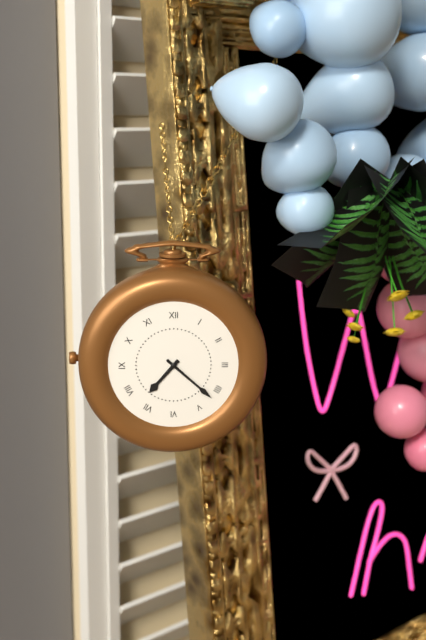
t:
7,22
